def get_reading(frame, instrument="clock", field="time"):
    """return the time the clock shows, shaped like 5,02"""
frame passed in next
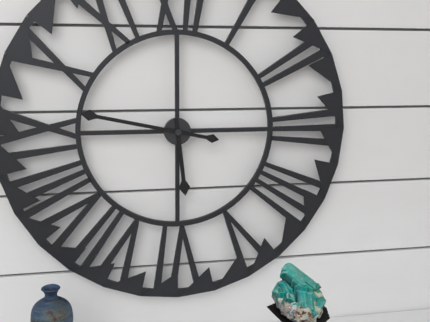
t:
5,47
